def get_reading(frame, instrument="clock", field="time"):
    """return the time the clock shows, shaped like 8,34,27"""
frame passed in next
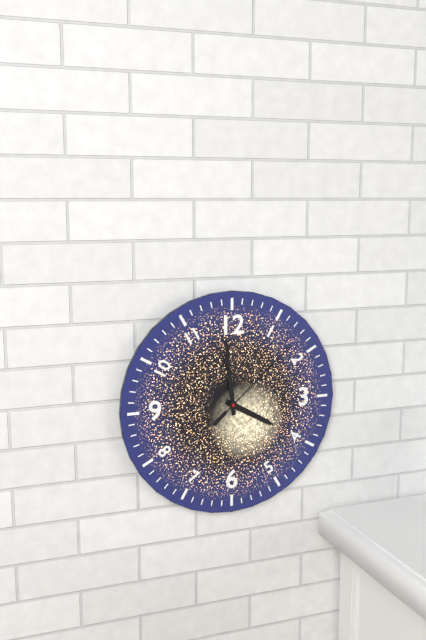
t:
3,59,08
